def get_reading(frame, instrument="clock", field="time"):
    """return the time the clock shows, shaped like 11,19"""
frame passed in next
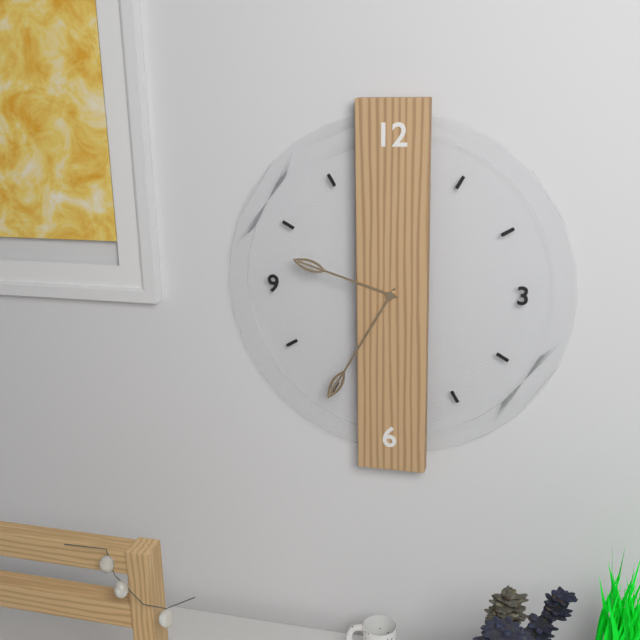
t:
9,35
